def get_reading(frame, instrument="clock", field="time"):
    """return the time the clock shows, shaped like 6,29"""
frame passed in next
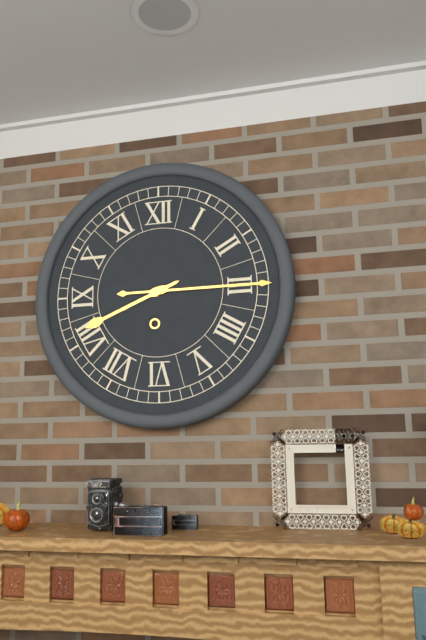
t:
8,15
